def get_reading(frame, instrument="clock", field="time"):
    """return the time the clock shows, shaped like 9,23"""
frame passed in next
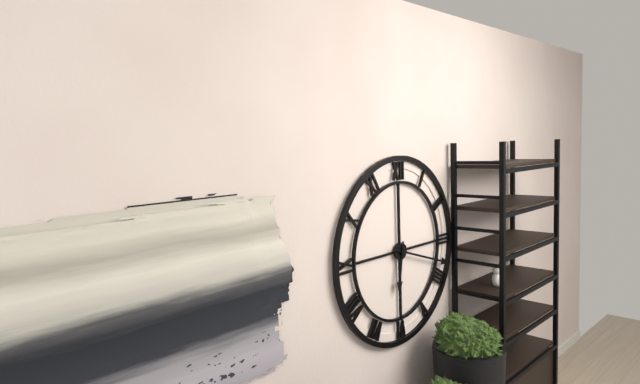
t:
6,18
